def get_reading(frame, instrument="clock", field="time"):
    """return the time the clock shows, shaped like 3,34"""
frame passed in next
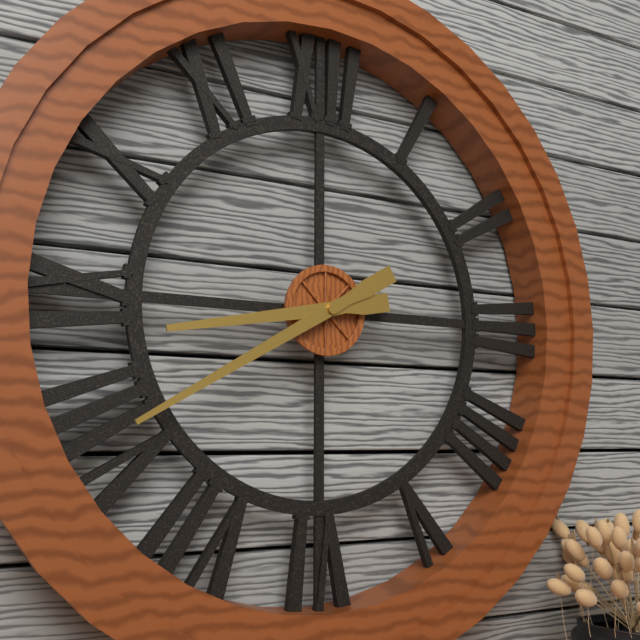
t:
8,40
